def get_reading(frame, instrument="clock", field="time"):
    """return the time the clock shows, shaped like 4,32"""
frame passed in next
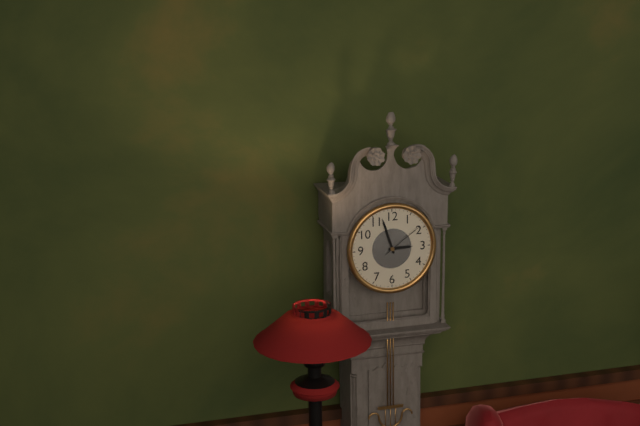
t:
2,57
